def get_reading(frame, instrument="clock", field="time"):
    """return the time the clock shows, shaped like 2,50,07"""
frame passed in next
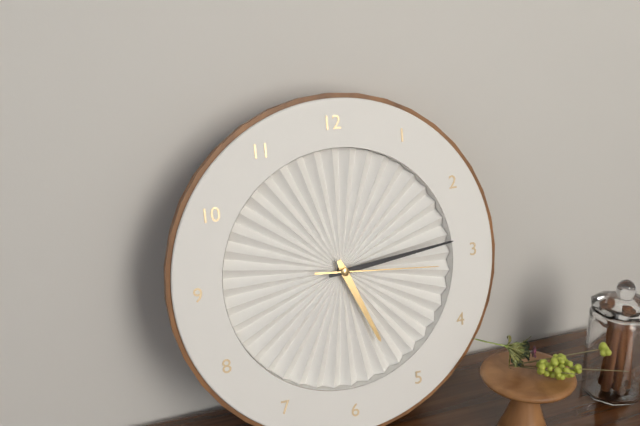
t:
5,14,16
